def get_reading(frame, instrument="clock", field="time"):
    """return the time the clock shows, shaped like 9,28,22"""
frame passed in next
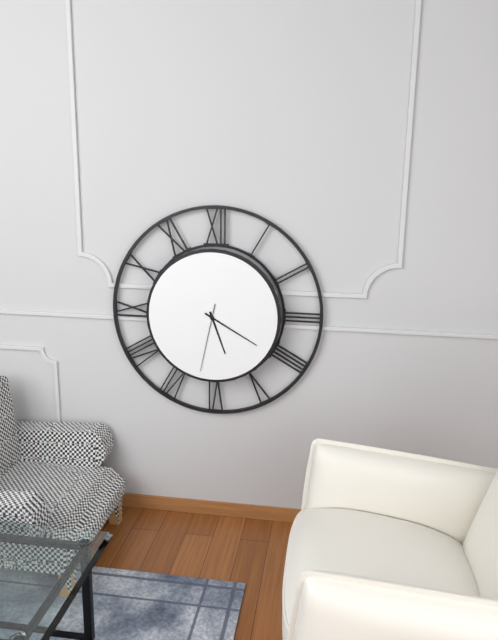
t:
5,20,32
